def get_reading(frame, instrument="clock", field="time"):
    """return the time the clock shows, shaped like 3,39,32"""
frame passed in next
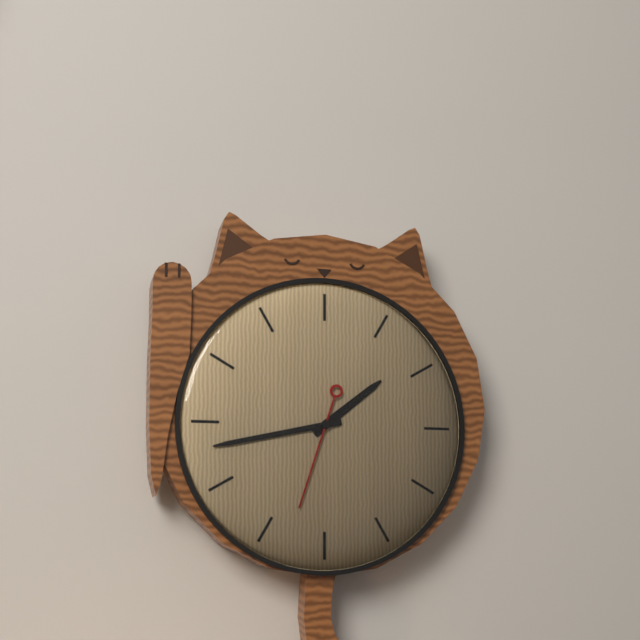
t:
1,43,33
